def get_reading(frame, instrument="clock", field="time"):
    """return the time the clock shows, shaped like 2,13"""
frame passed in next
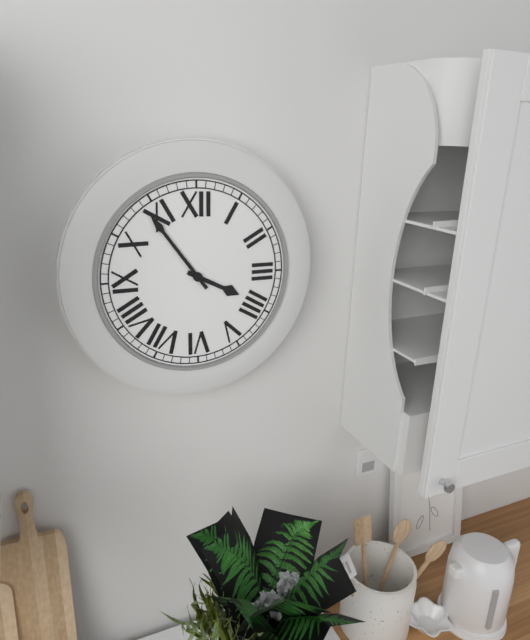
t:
3,54
